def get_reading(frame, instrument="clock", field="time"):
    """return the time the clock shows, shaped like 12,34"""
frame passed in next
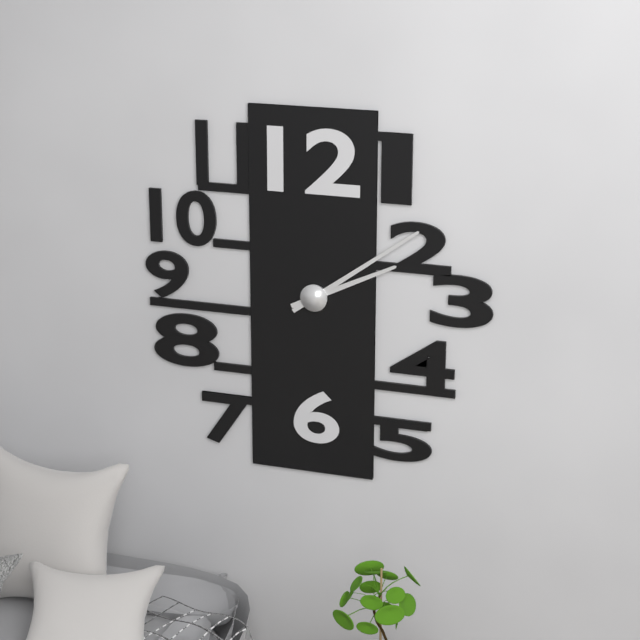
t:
2,09
